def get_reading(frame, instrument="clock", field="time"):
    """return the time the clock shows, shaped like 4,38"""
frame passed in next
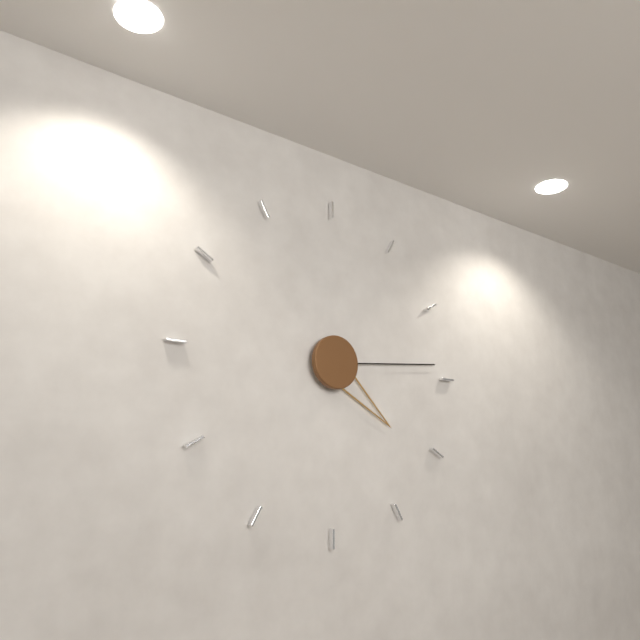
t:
4,14
